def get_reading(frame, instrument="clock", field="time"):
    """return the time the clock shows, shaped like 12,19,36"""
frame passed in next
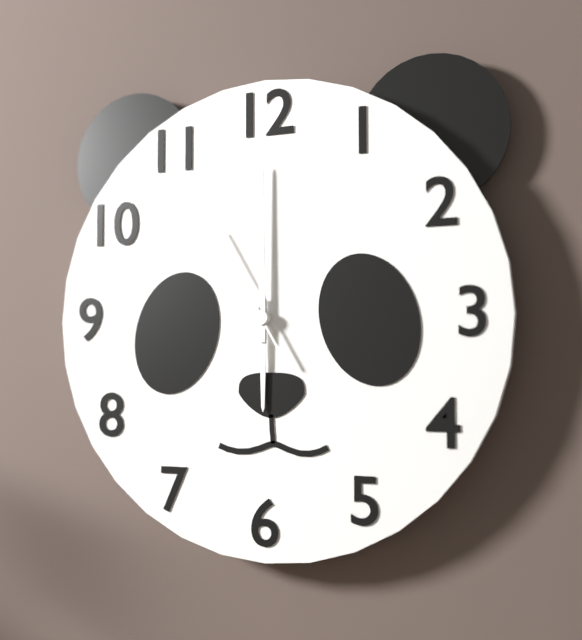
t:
6,00,55
